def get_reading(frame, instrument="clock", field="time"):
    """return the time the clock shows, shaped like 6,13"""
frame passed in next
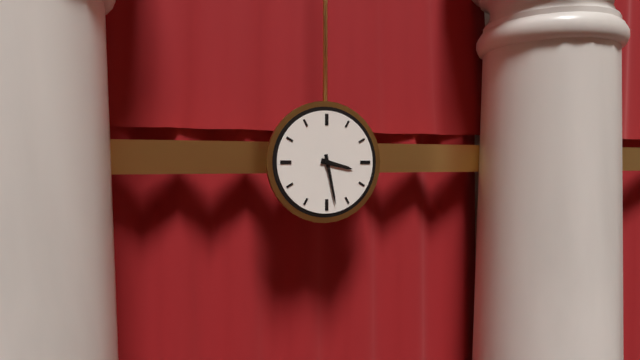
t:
3,28
